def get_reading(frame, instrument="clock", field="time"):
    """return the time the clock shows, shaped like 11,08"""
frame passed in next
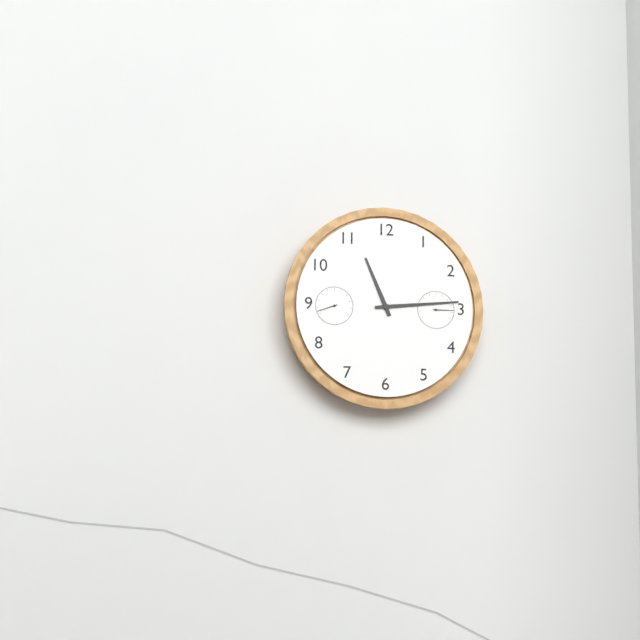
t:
11,14
